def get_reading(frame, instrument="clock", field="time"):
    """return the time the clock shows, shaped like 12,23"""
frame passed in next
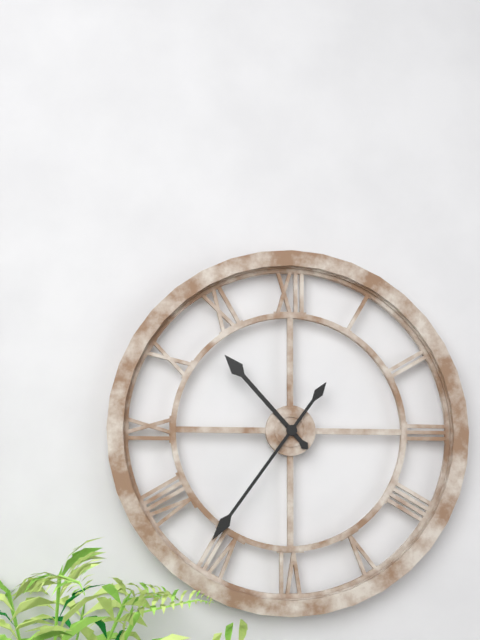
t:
10,36
